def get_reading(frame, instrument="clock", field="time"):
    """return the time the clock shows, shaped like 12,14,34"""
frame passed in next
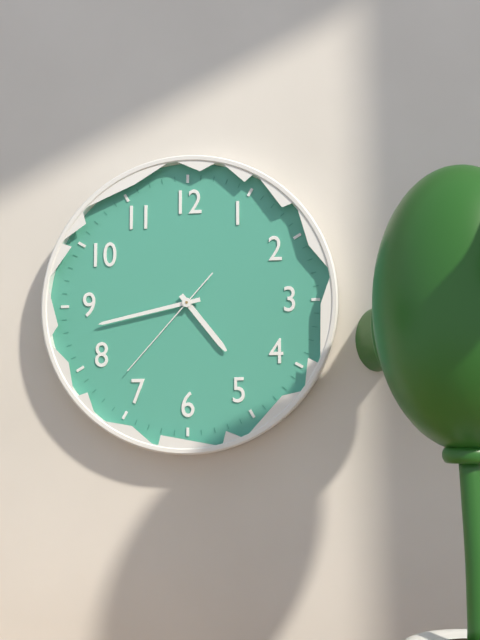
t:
4,43,37
